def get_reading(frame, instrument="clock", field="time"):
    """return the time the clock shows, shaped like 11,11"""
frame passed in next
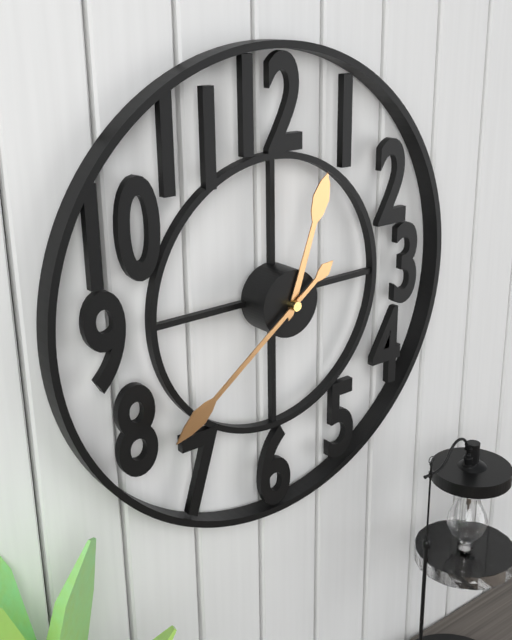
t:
12,39
